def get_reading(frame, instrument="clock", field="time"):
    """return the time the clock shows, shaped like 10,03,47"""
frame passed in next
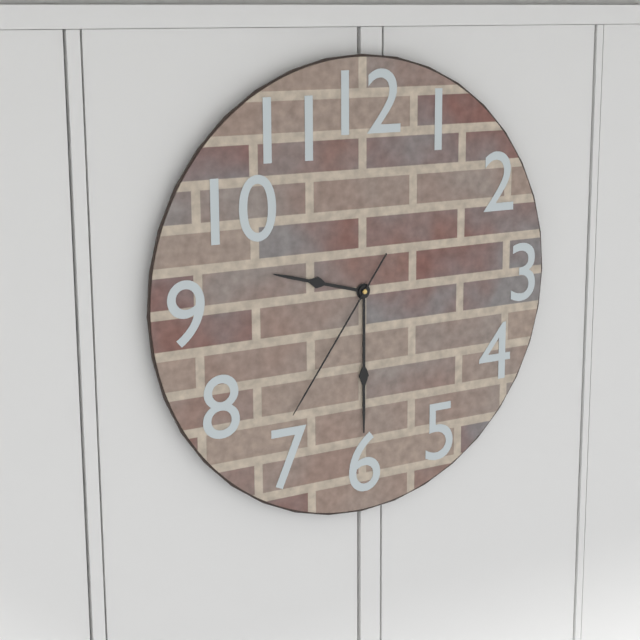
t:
9,30,36
